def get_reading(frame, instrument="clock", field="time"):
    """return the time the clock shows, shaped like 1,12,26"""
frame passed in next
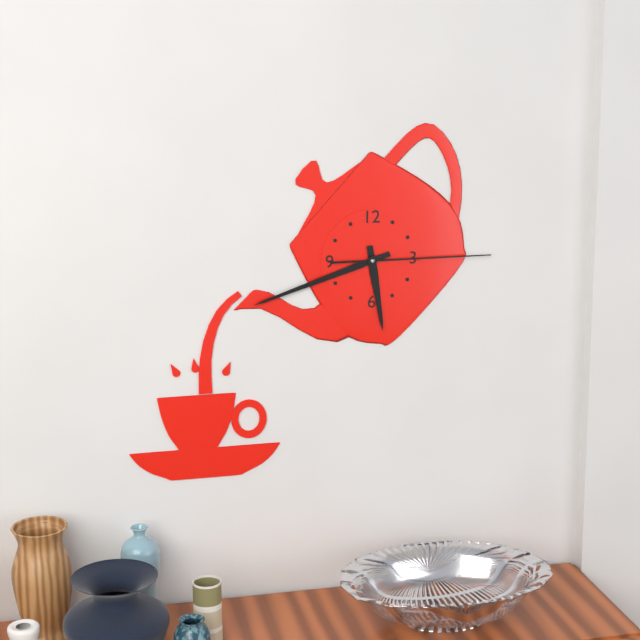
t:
5,42,15
